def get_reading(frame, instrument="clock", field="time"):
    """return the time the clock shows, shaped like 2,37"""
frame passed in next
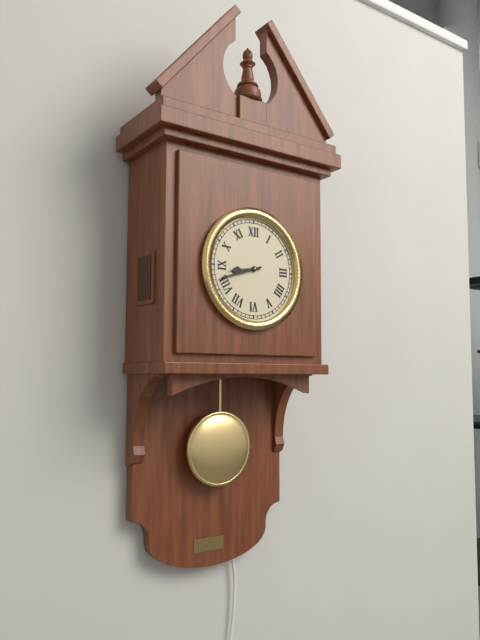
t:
8,42
